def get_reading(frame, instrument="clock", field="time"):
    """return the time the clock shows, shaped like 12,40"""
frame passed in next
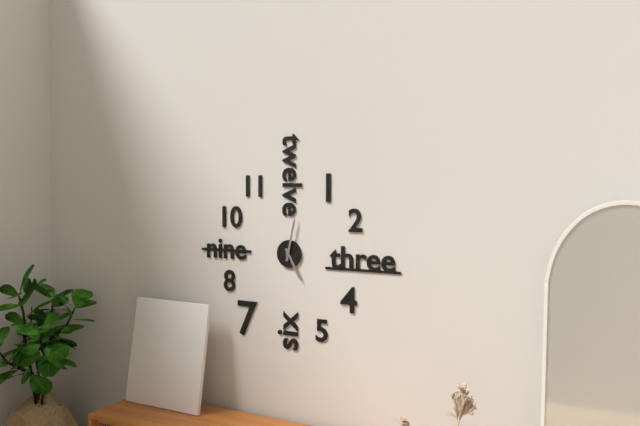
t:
5,02
